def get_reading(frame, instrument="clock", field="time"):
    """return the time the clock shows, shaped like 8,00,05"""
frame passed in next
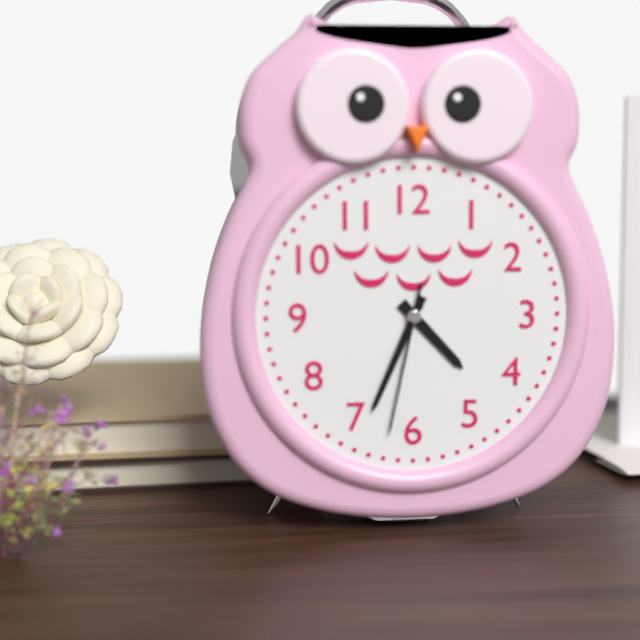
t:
4,34,32
